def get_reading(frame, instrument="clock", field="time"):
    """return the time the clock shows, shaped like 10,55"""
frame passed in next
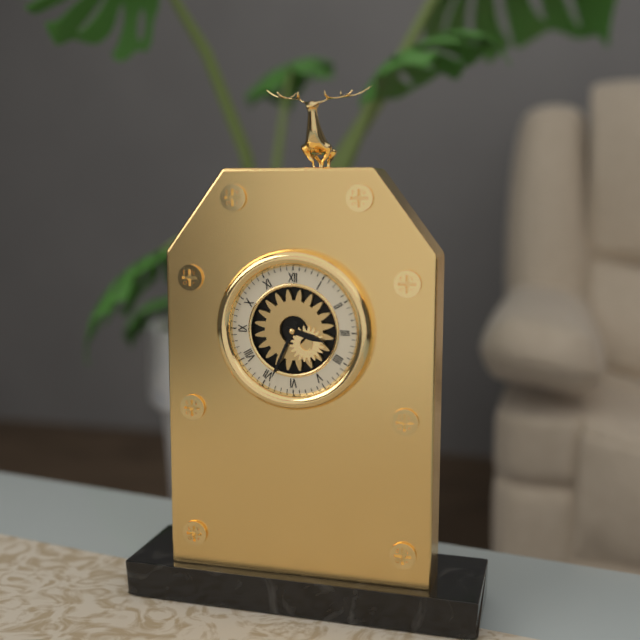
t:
3,34
